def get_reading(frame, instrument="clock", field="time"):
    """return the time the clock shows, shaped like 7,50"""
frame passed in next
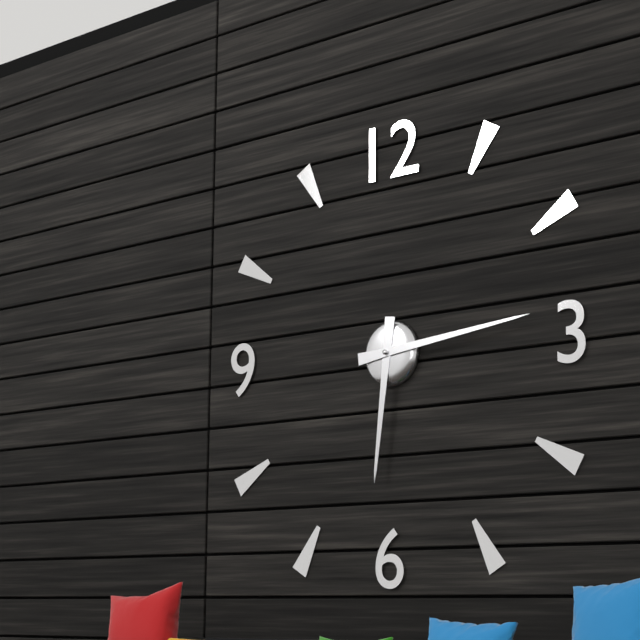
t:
6,14
